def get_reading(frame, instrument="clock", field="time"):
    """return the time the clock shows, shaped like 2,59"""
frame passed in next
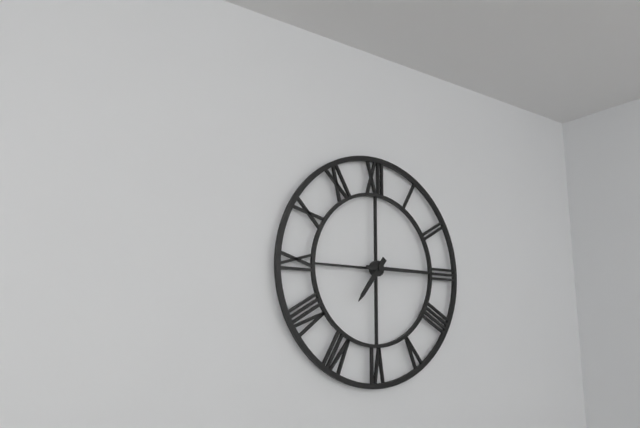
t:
7,15
